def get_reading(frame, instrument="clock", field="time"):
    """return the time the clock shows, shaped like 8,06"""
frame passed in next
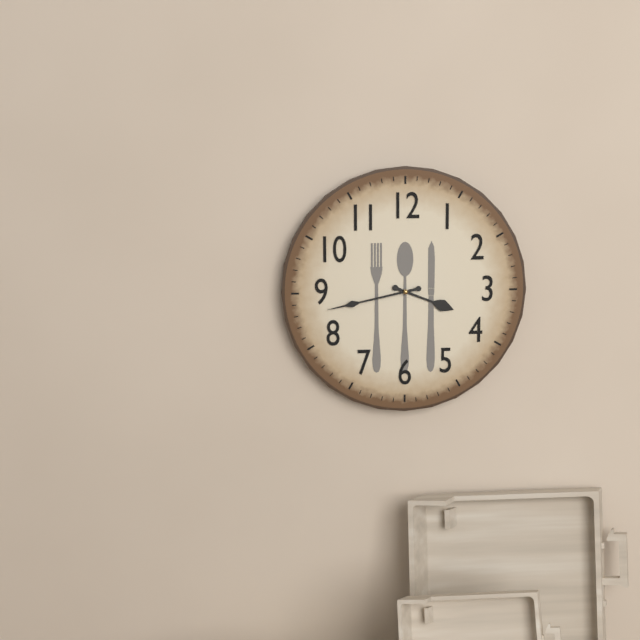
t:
3,43
